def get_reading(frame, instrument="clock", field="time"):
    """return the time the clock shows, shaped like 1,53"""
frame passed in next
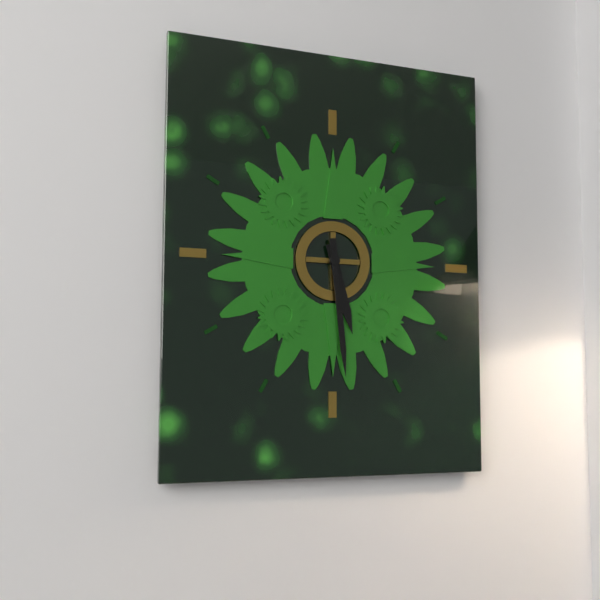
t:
5,29
